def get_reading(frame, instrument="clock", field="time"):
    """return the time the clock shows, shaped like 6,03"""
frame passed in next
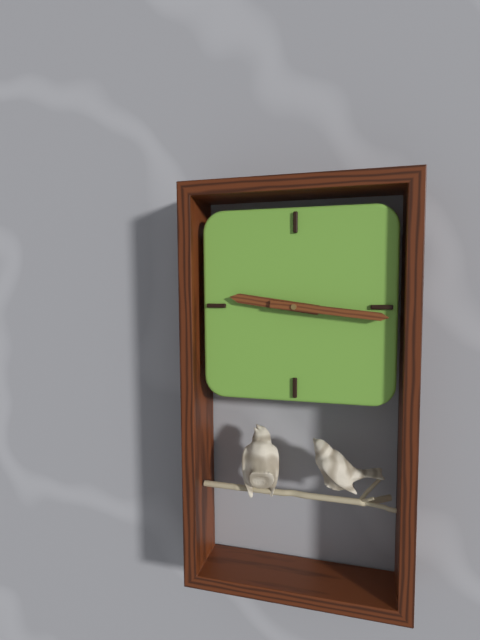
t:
9,16
